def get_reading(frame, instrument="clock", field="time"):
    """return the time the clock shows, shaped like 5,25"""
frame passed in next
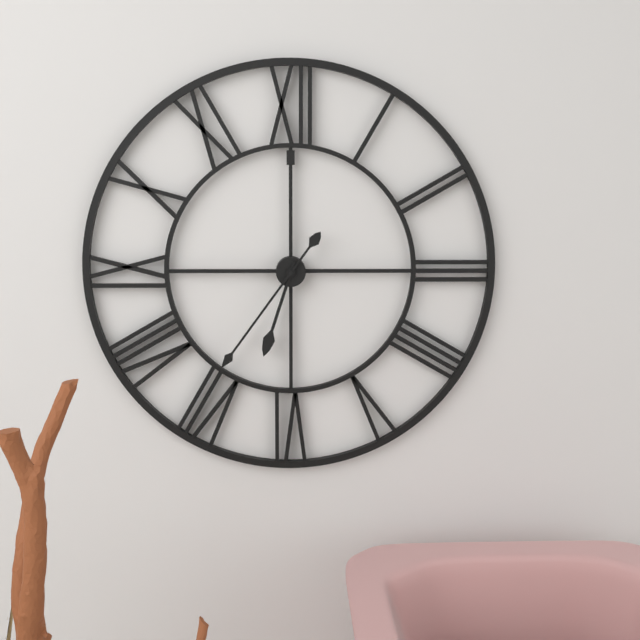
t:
6,36
